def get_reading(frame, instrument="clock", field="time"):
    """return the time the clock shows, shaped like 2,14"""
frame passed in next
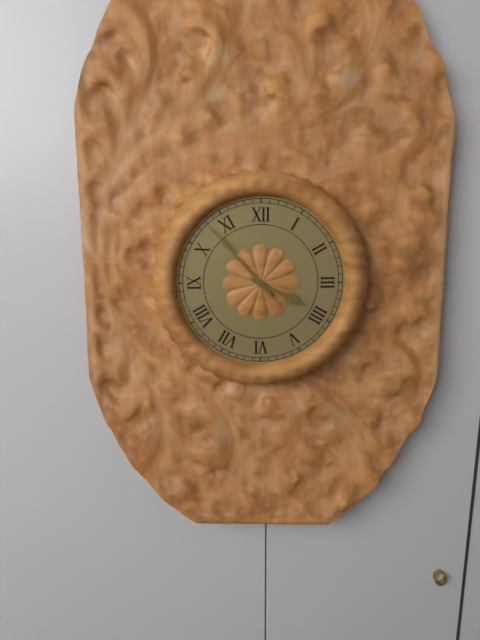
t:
3,53
